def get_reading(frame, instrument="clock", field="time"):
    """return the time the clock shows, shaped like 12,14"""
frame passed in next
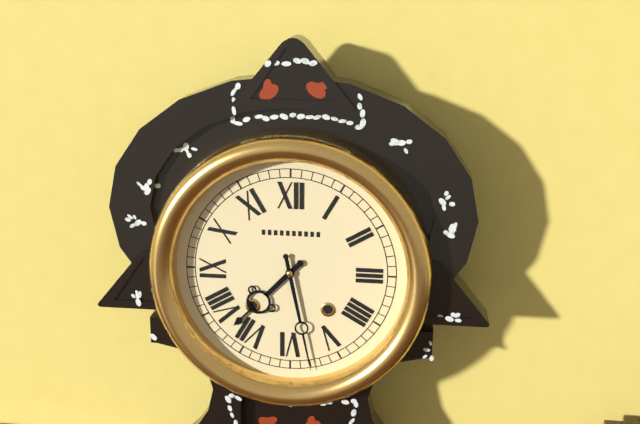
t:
7,28
